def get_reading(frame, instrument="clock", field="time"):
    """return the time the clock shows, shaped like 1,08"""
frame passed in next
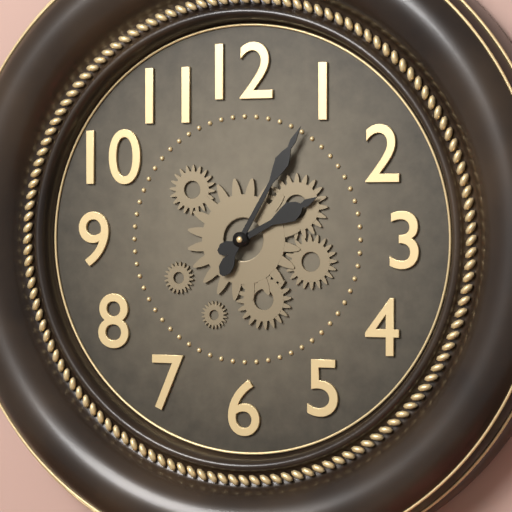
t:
2,05
